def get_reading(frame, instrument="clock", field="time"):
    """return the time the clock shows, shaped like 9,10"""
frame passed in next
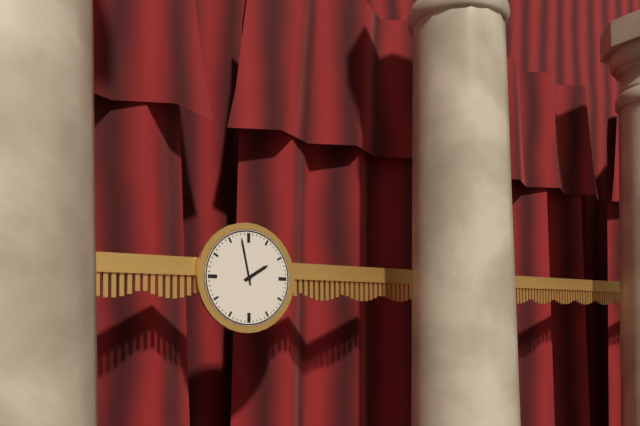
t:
1,58
